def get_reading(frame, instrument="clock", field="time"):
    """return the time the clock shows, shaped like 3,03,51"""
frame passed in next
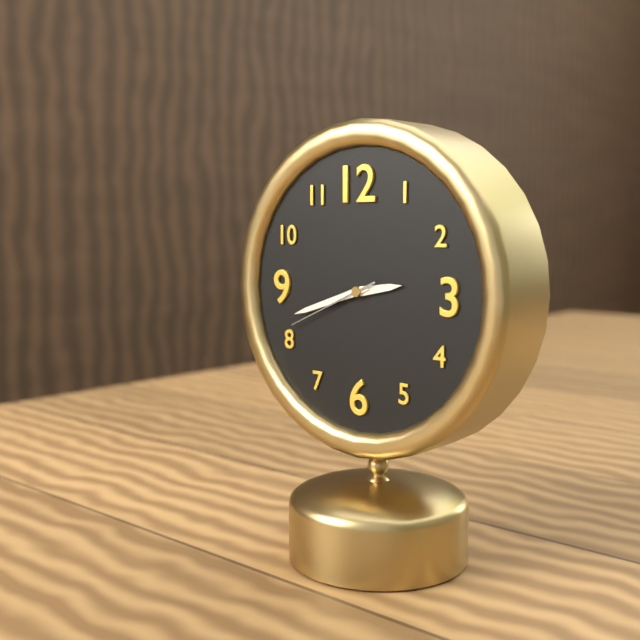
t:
2,42,41
